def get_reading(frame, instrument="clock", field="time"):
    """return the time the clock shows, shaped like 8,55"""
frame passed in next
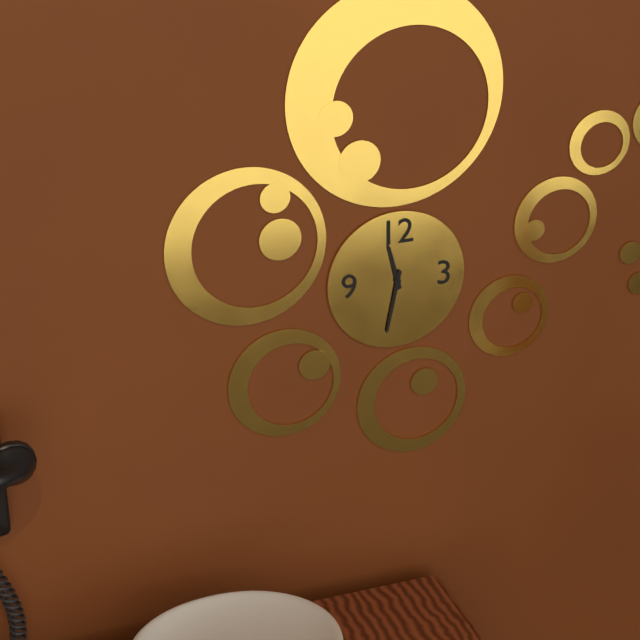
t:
11,32
